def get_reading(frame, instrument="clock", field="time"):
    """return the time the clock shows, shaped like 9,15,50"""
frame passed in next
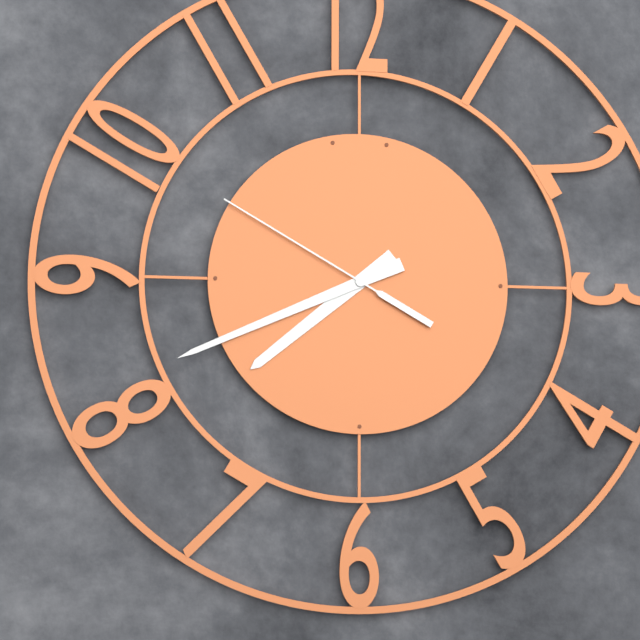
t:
7,41,50
